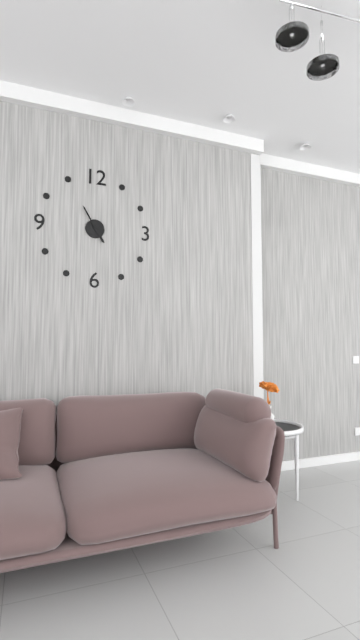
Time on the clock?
4:55
